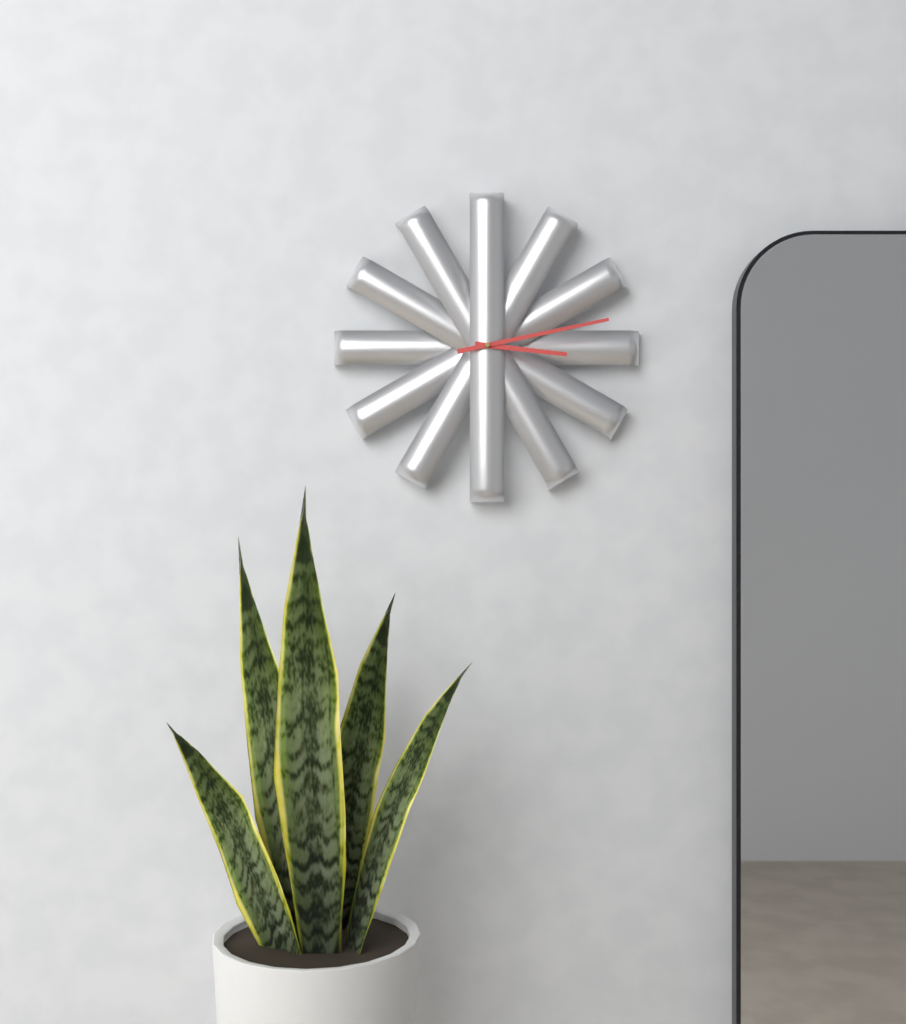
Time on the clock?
3:13
